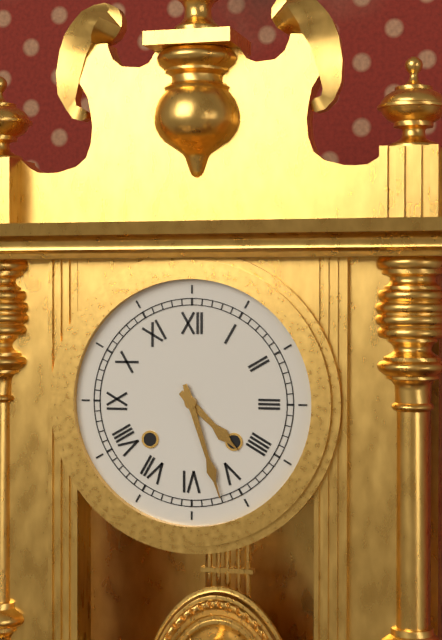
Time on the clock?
4:27
